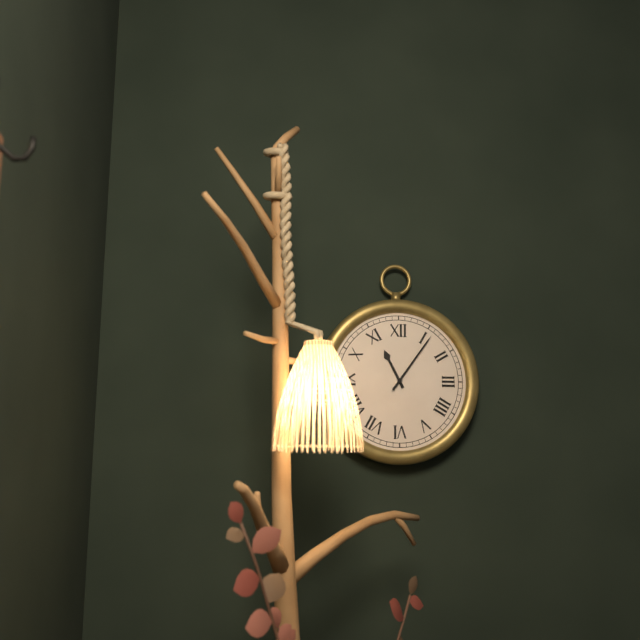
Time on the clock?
11:06
